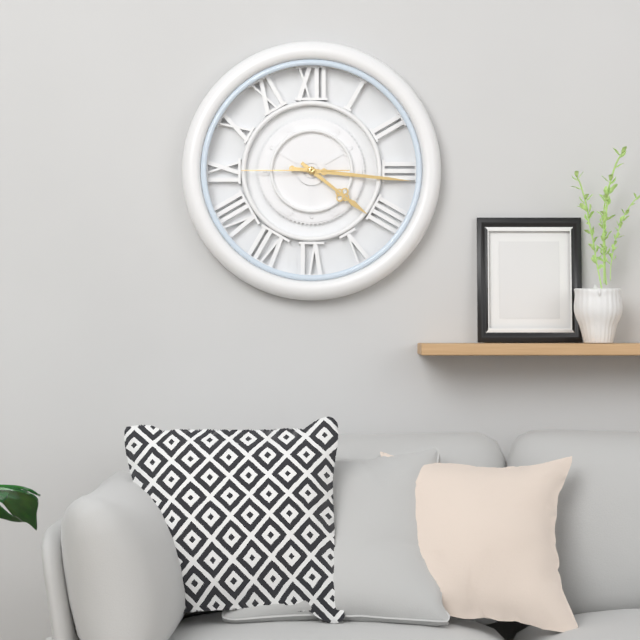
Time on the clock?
4:16:45
